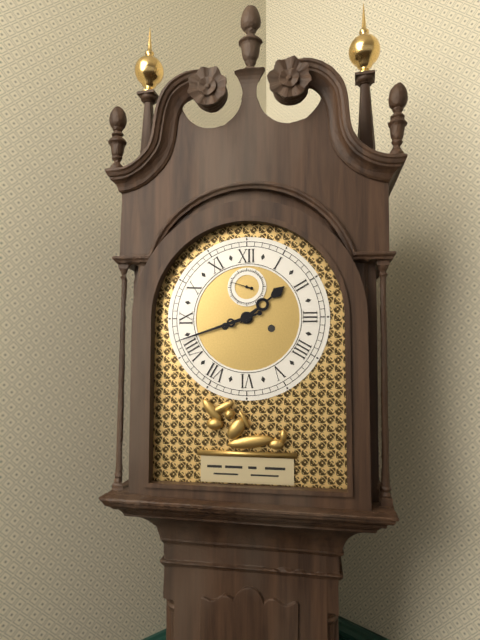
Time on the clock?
1:42
